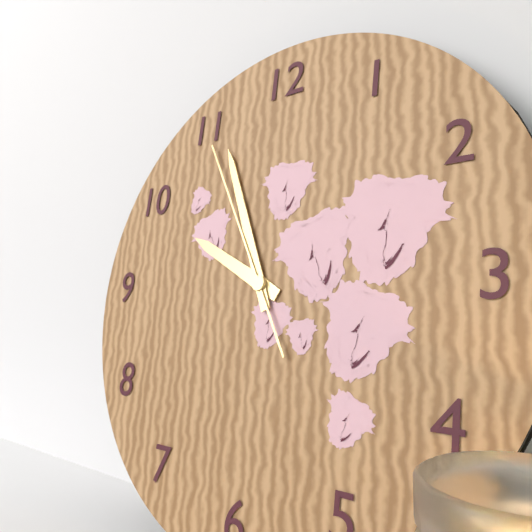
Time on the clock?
9:56:55
